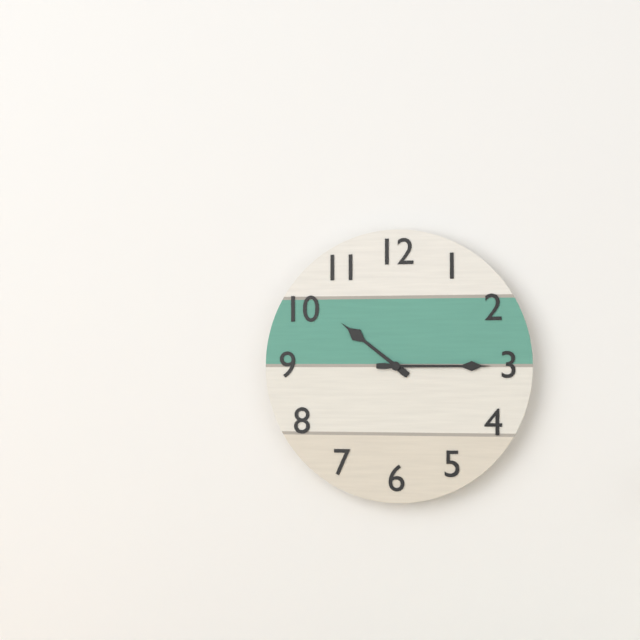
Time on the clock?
10:15
